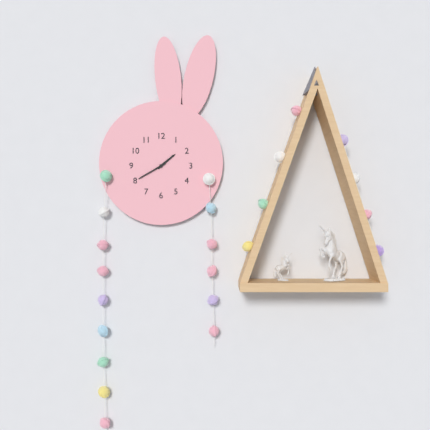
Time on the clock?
1:40
